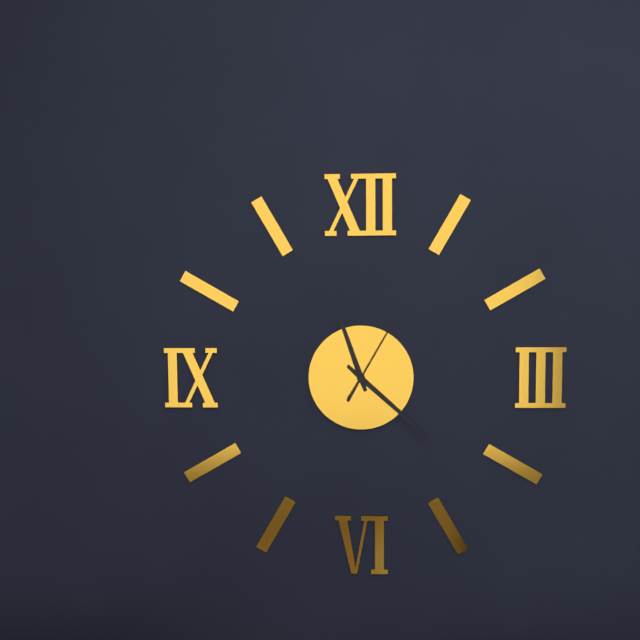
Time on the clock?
11:22:05
